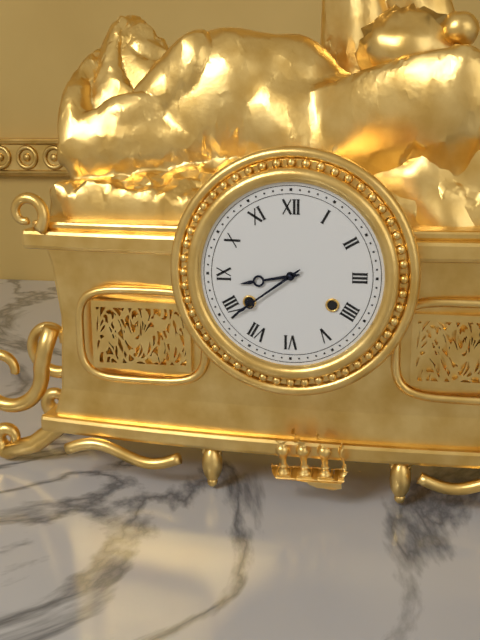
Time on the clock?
8:39
